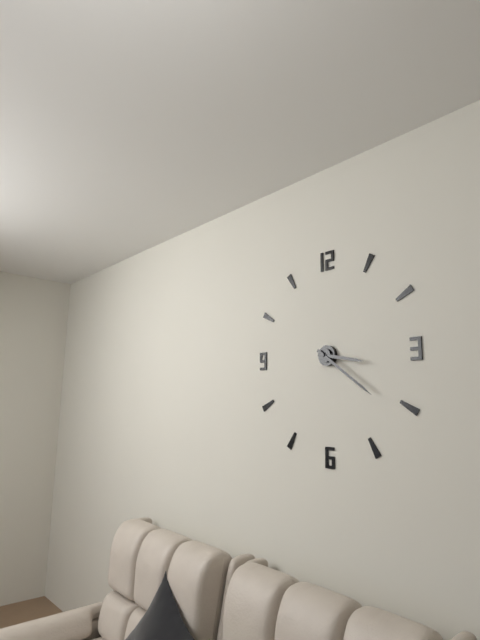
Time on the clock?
3:21
